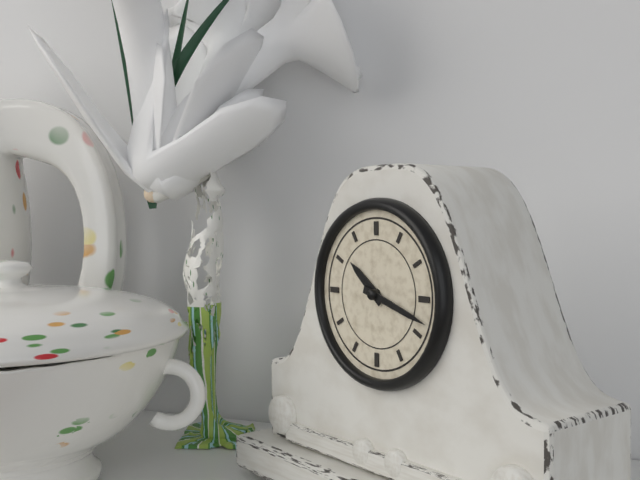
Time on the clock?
10:18
